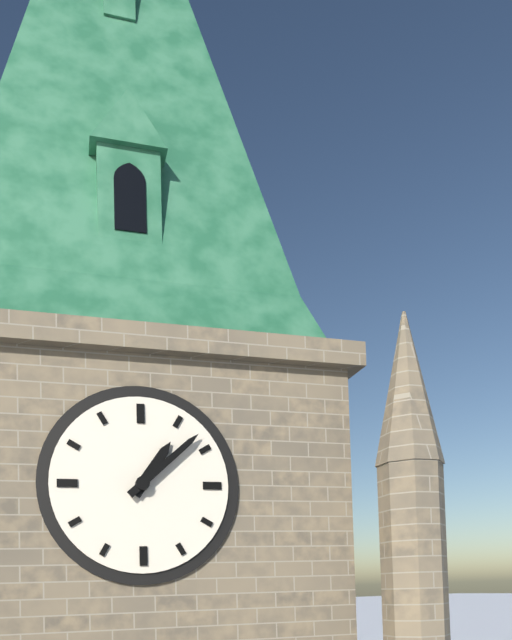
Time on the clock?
1:08
